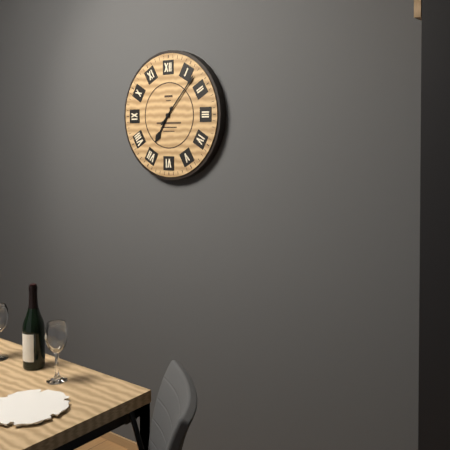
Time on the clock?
7:07
